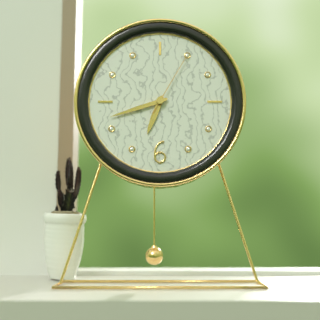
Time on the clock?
6:42:05
